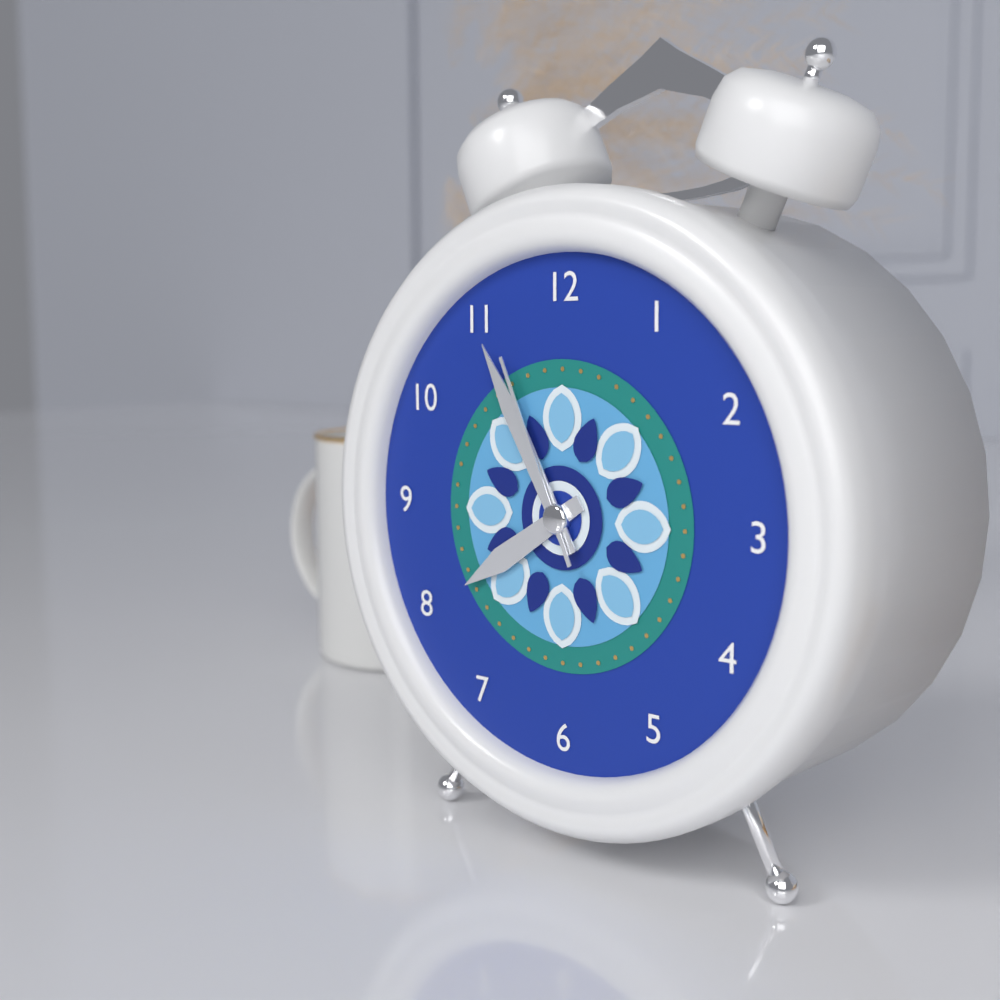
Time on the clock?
7:55:56
